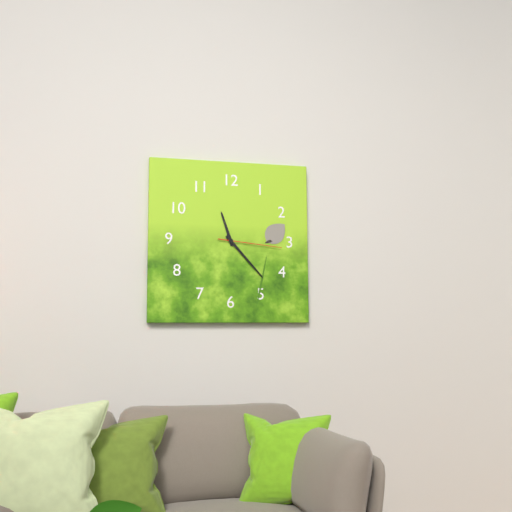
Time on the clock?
11:23:16
